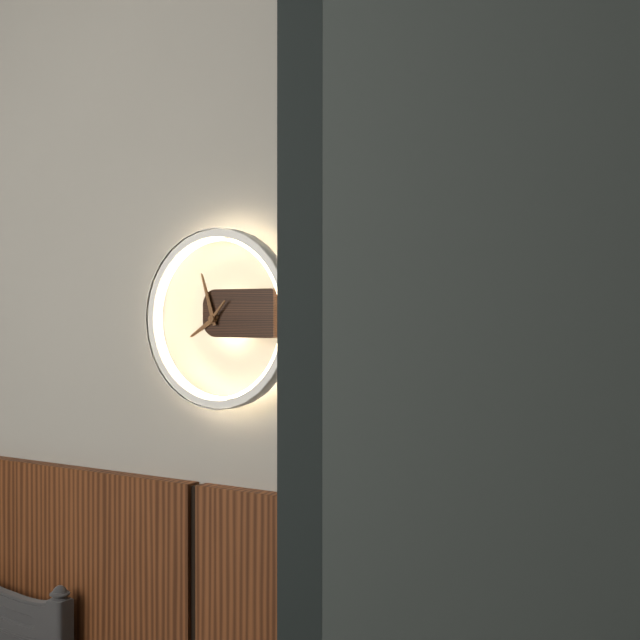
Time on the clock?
7:57
